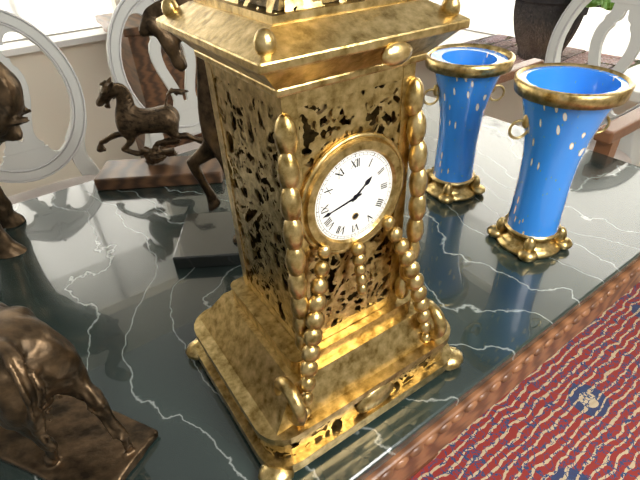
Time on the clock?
1:43
